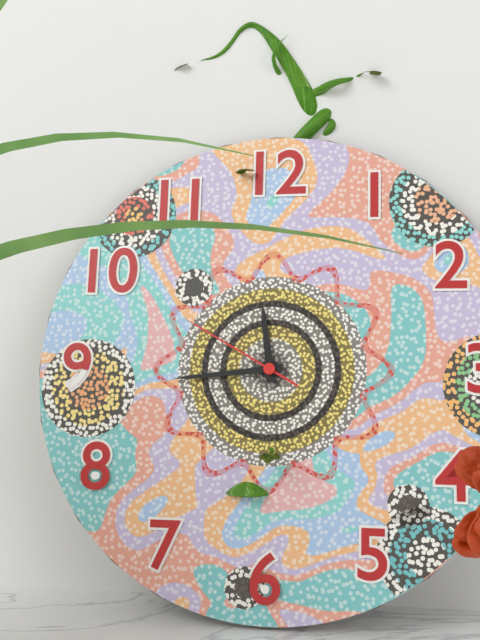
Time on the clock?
11:44:50
